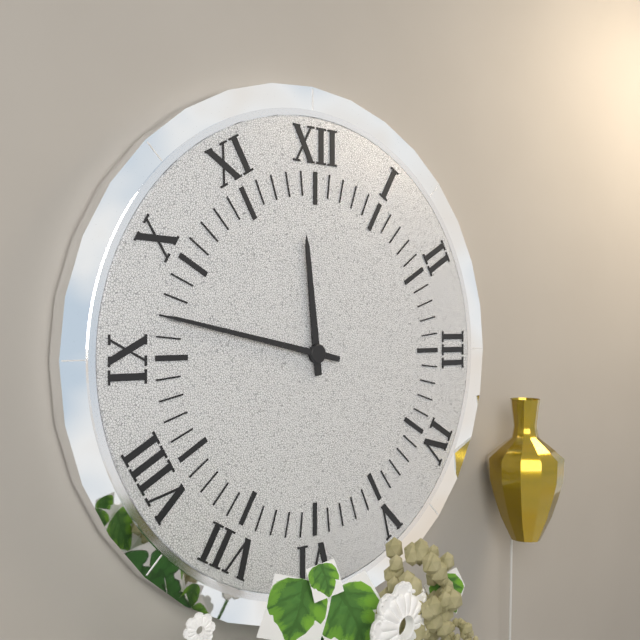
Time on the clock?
11:47
